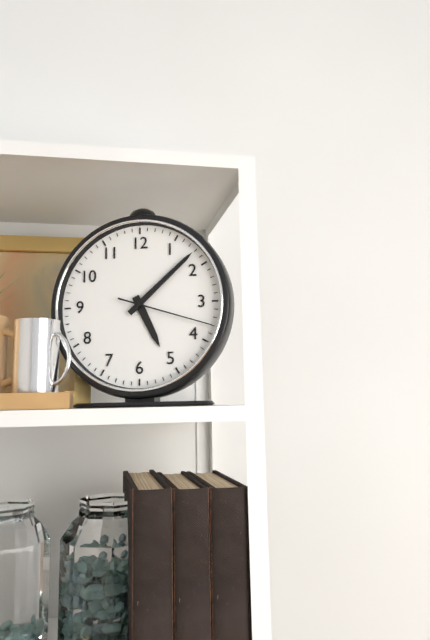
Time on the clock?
5:08:18
